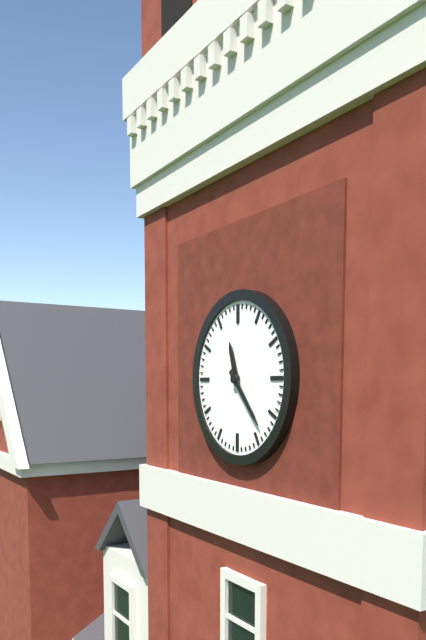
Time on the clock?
11:23
